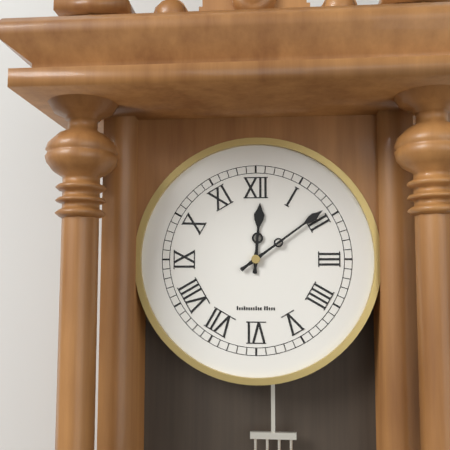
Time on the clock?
12:09
